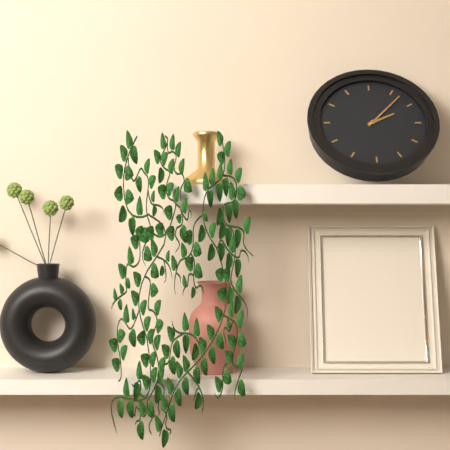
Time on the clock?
2:07
